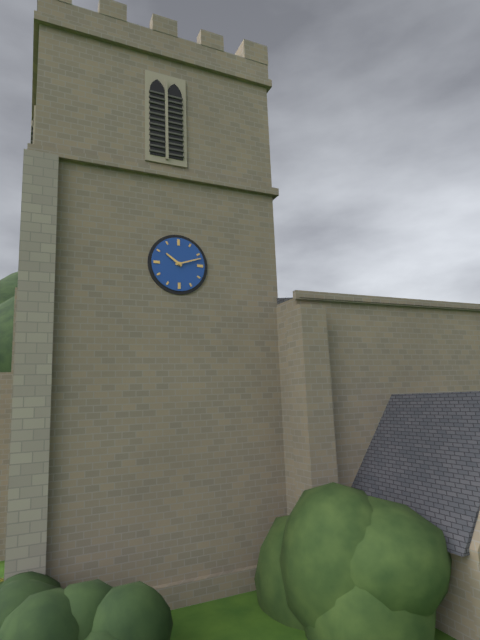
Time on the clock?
10:12
